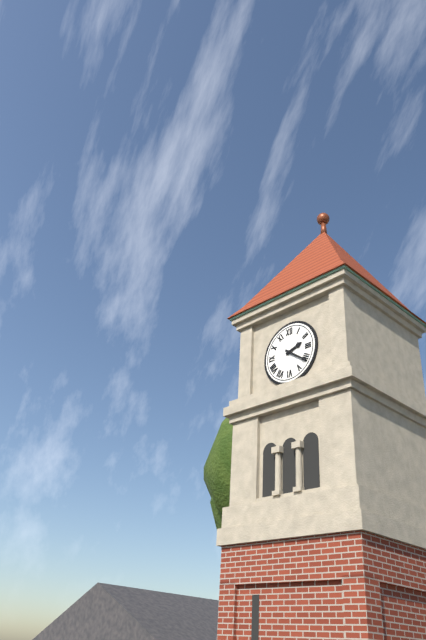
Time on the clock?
2:21
